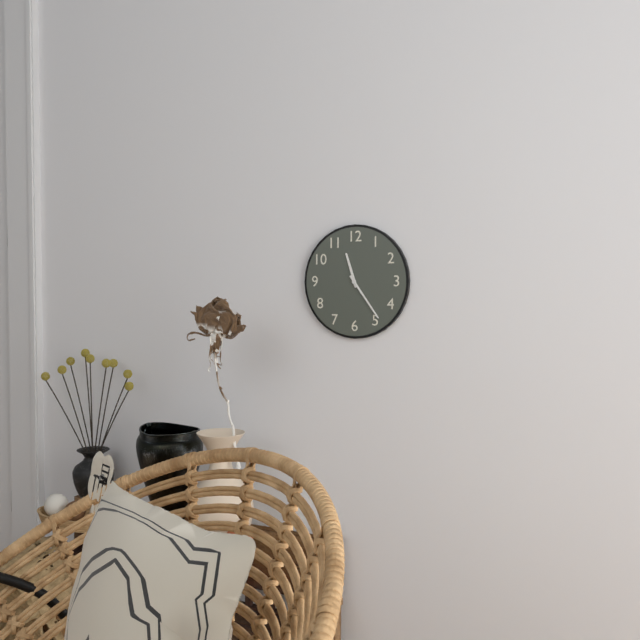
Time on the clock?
11:24
